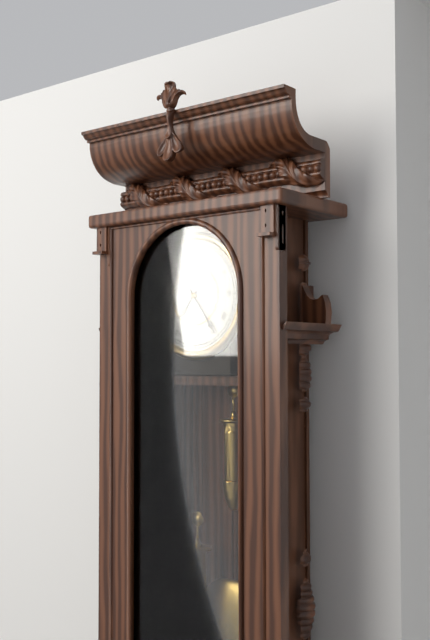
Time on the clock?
7:24
